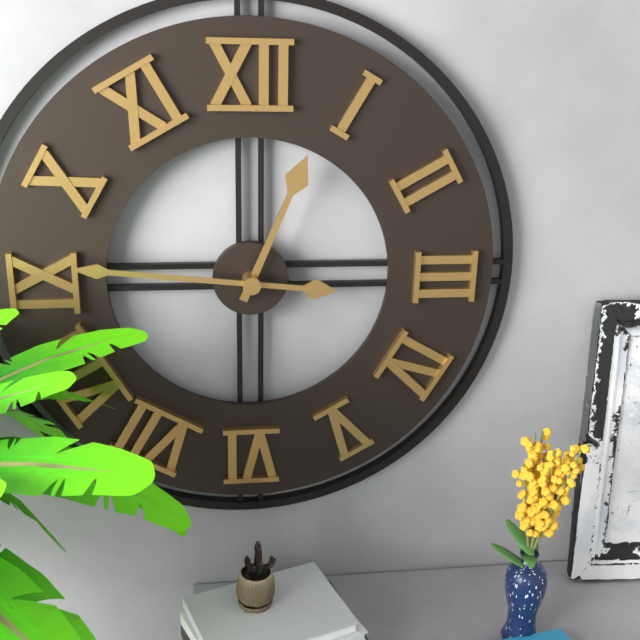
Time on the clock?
12:46
